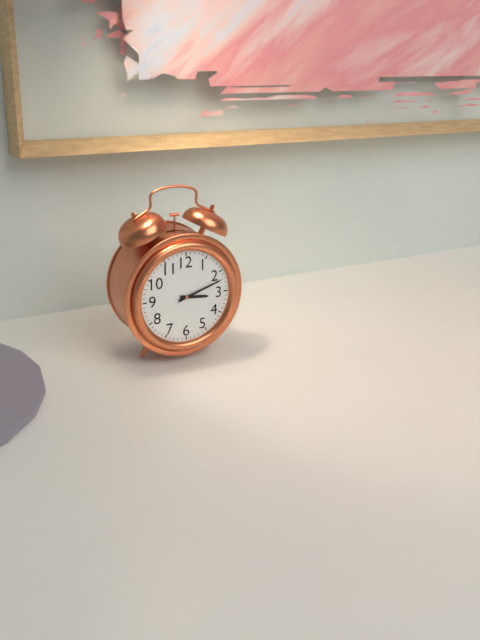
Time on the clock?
3:12
